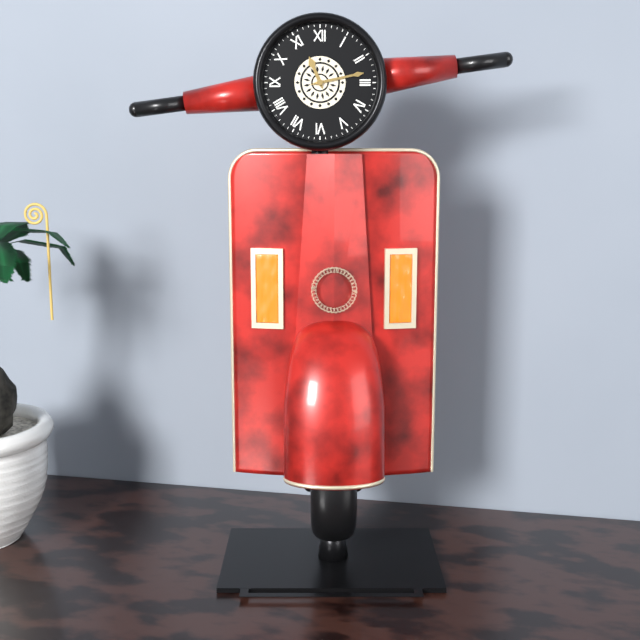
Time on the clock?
11:13
